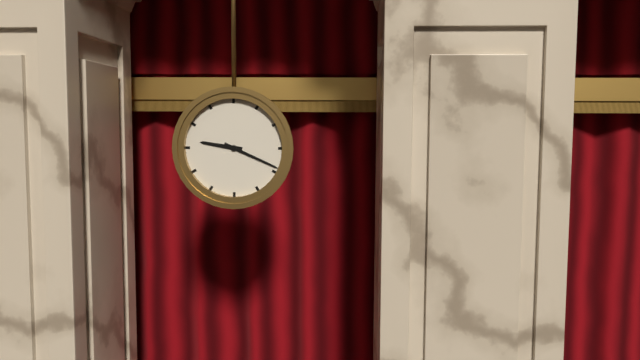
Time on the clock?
9:19
